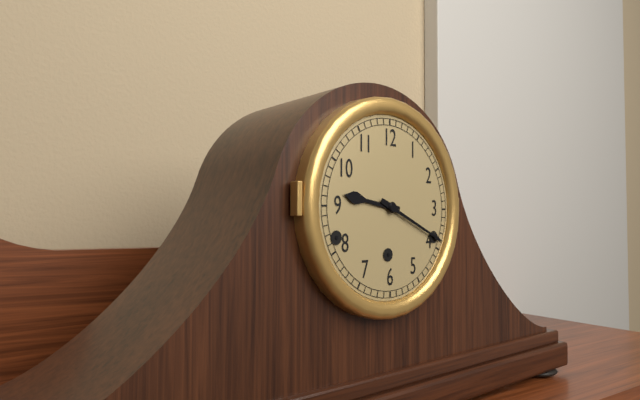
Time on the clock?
9:19
